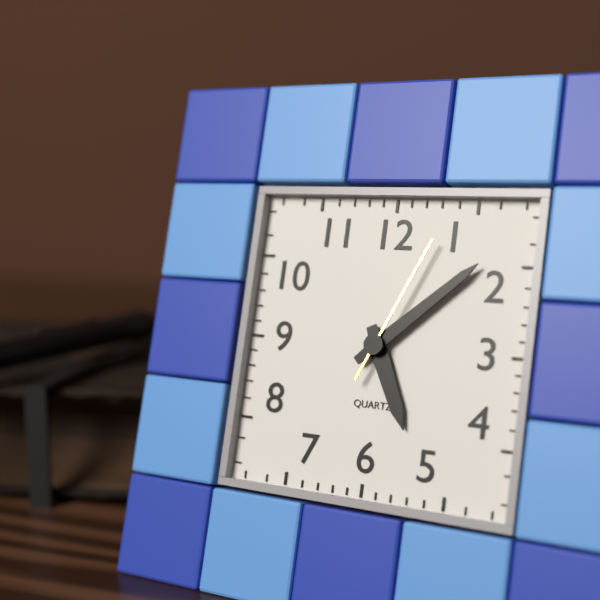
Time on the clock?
5:08:04
